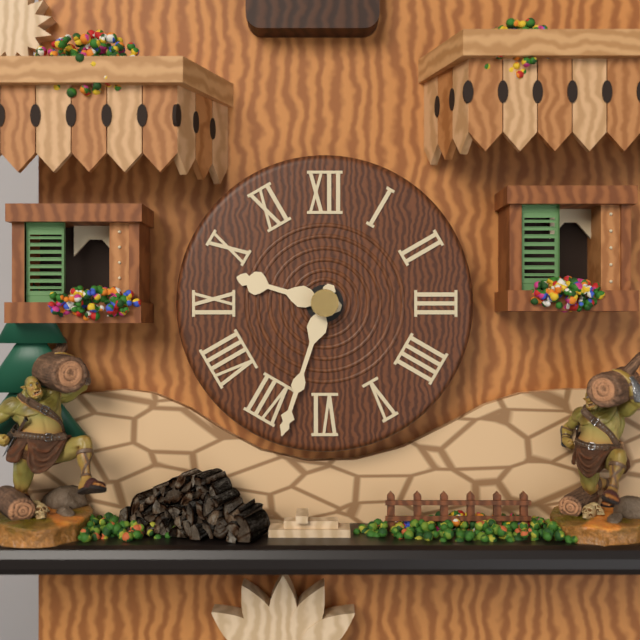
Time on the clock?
9:33
